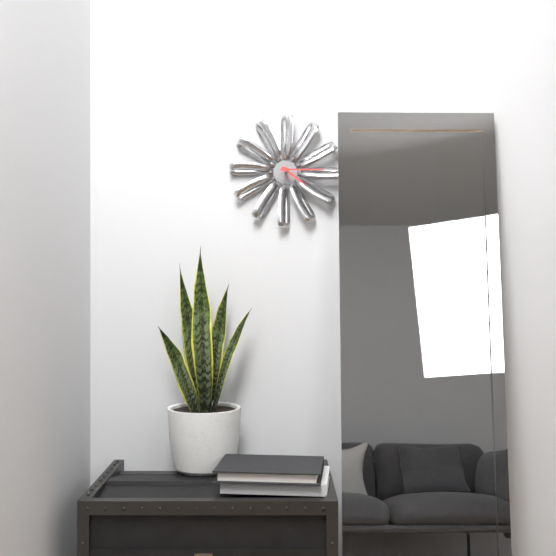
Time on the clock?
4:15
